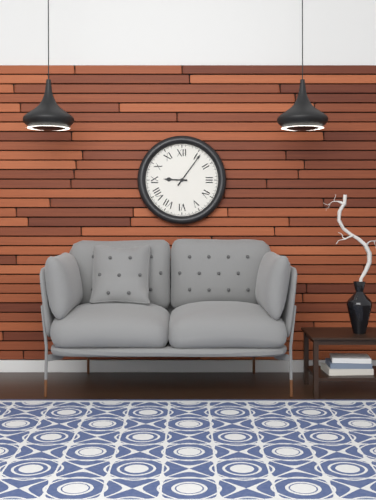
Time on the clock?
9:06
